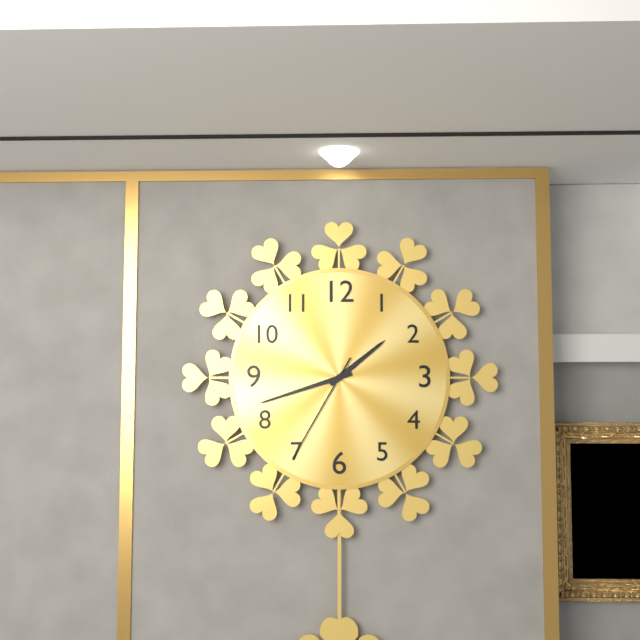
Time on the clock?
1:42:35
